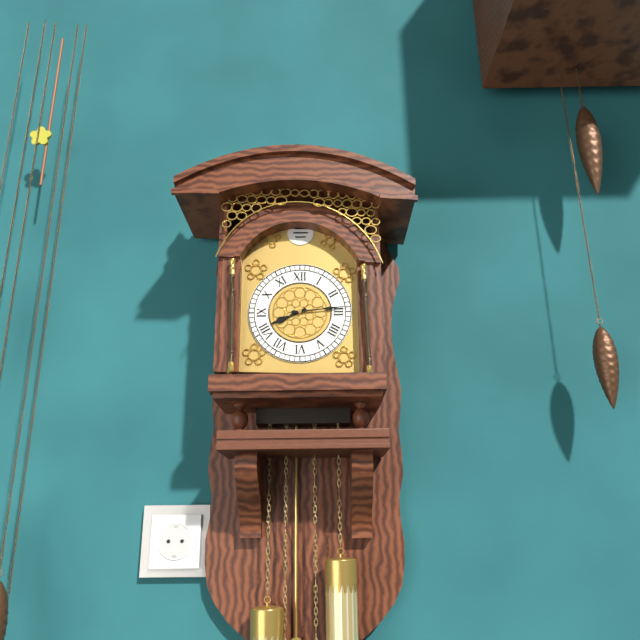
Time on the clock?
8:14
